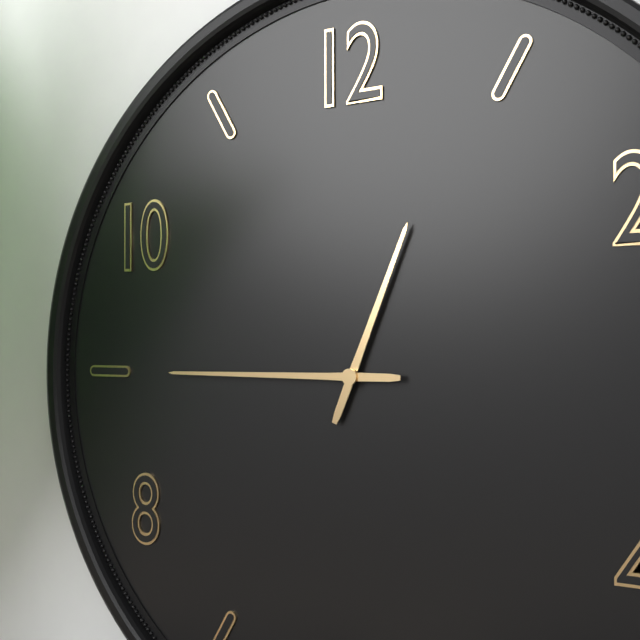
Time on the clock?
12:45
